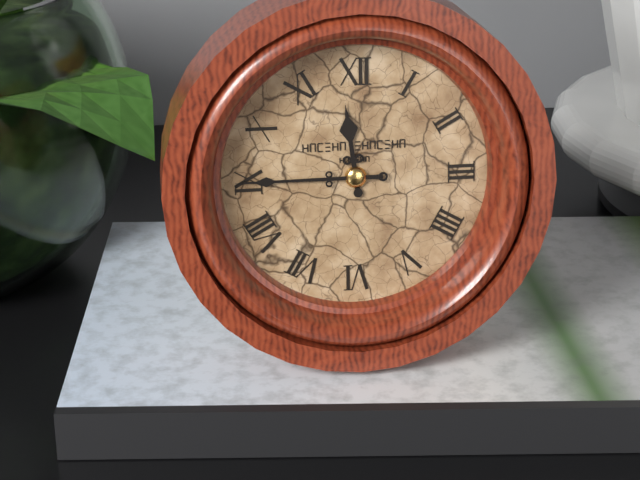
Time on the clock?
11:45
